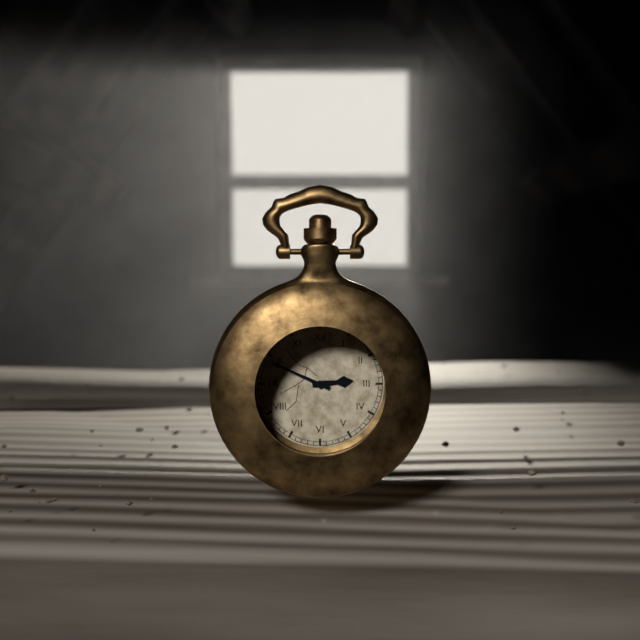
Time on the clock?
2:49
